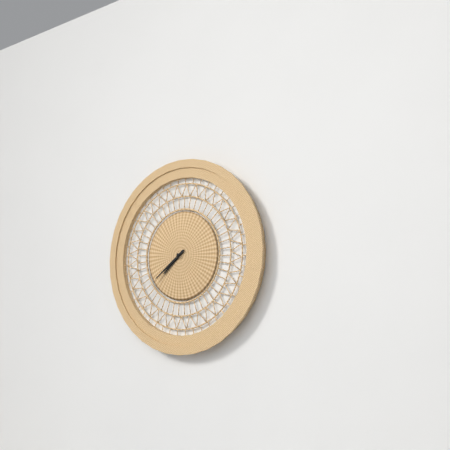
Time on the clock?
7:39
